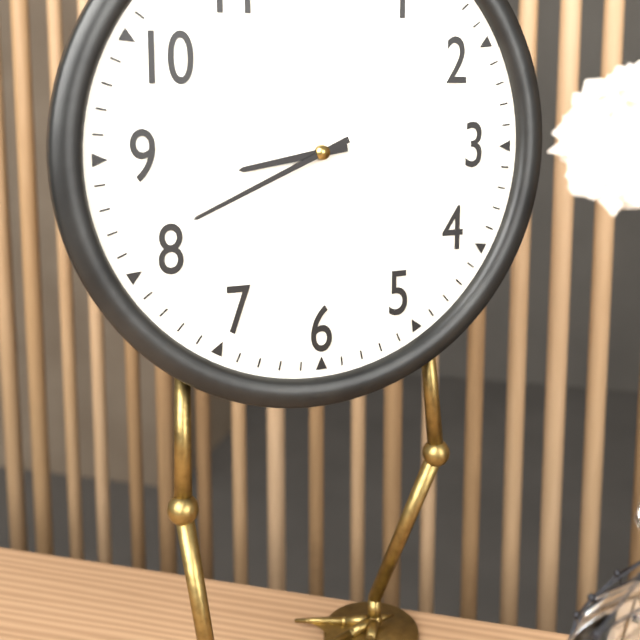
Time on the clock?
8:41
